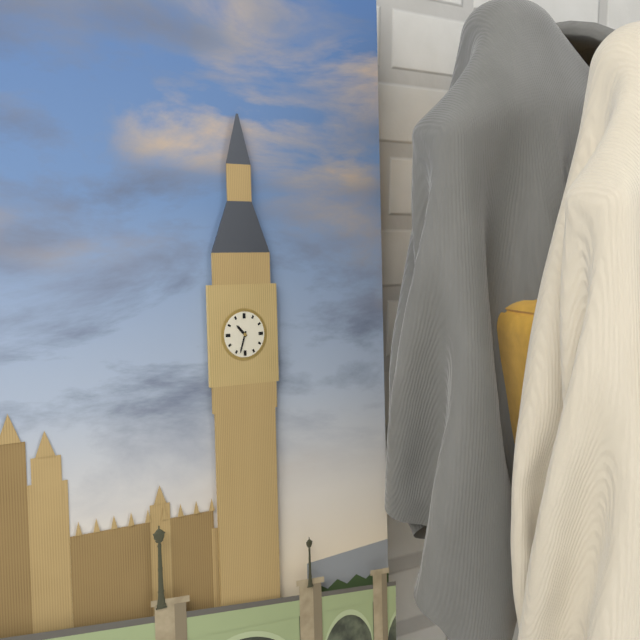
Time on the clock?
10:33
